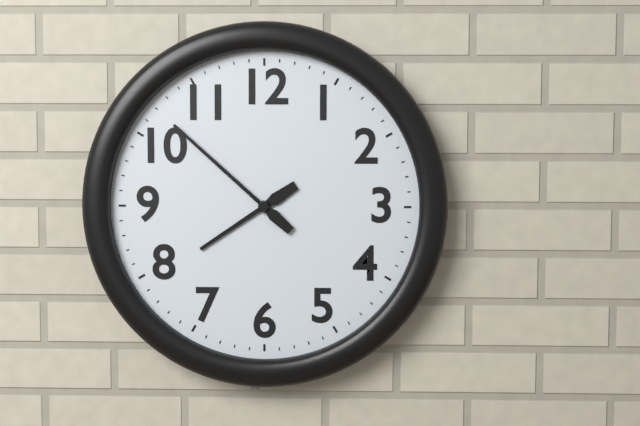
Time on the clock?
7:52
